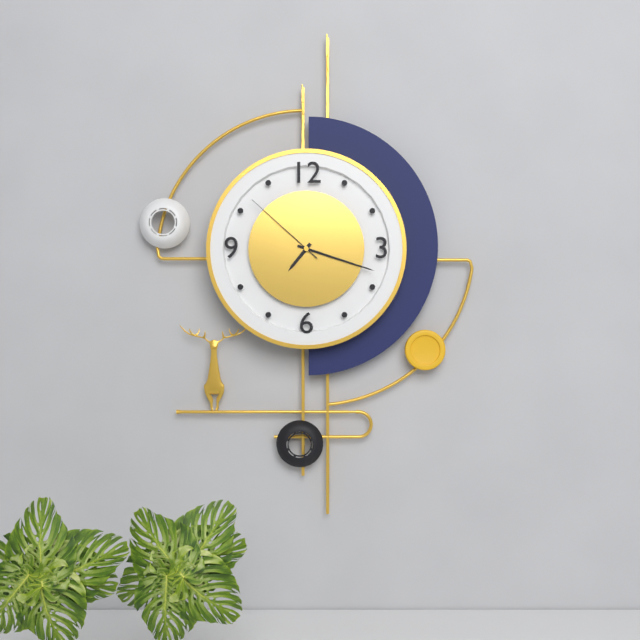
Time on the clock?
7:18:52
